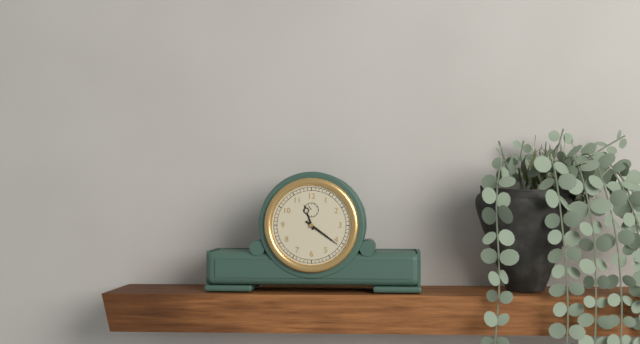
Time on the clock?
11:21
